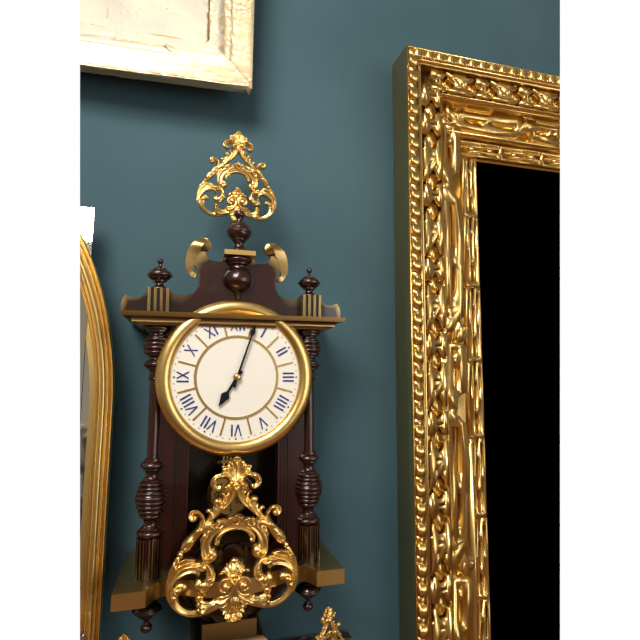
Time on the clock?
7:03
